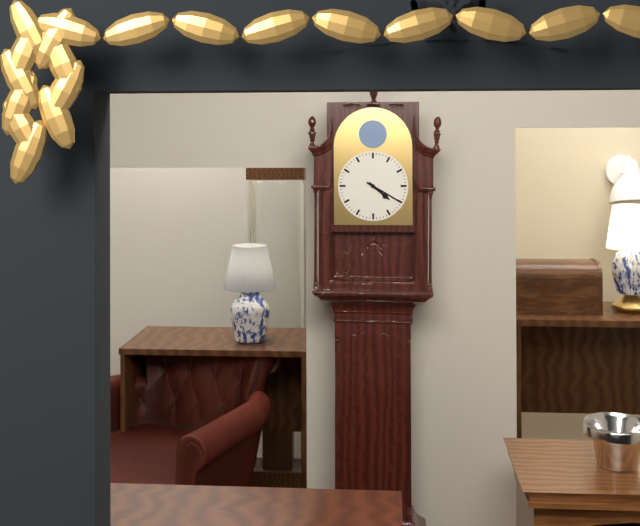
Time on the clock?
4:20
